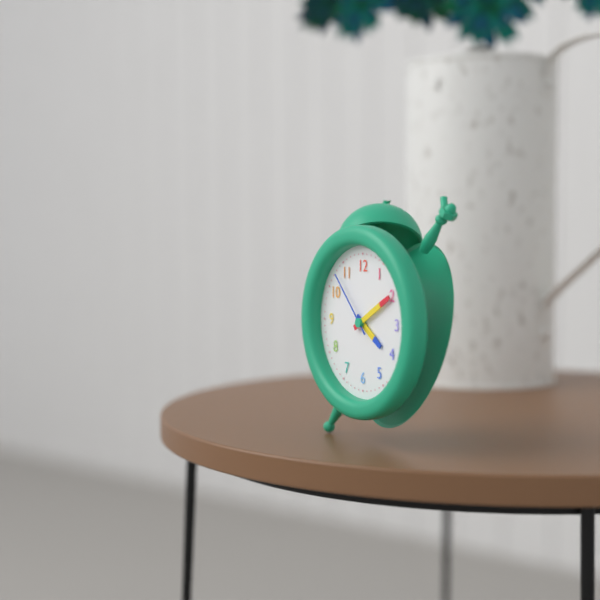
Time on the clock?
4:10:53
